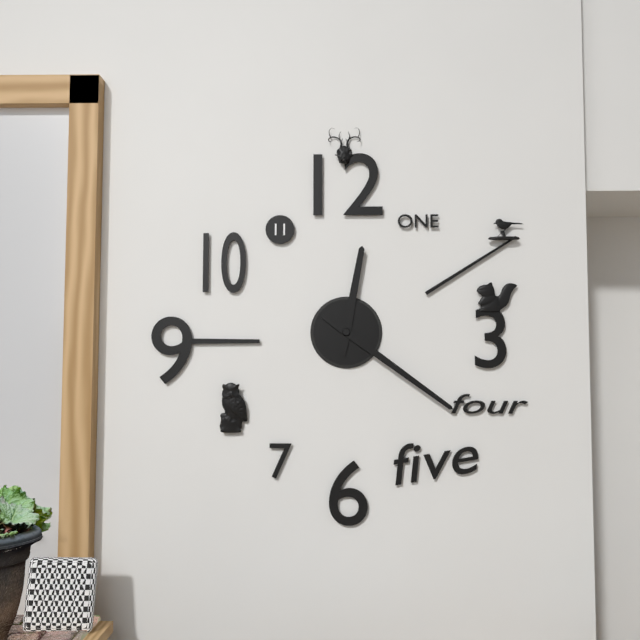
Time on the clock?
12:21
